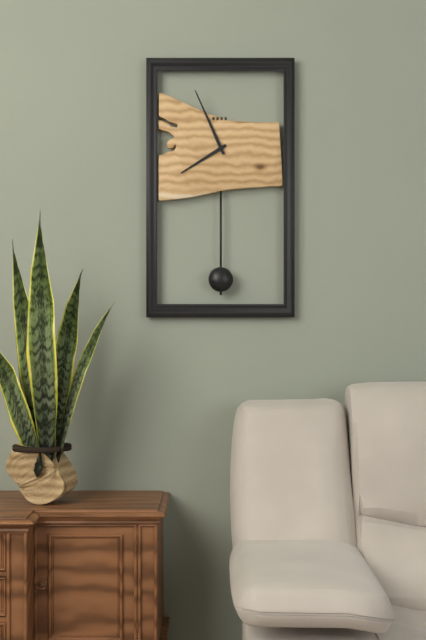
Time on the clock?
7:56
